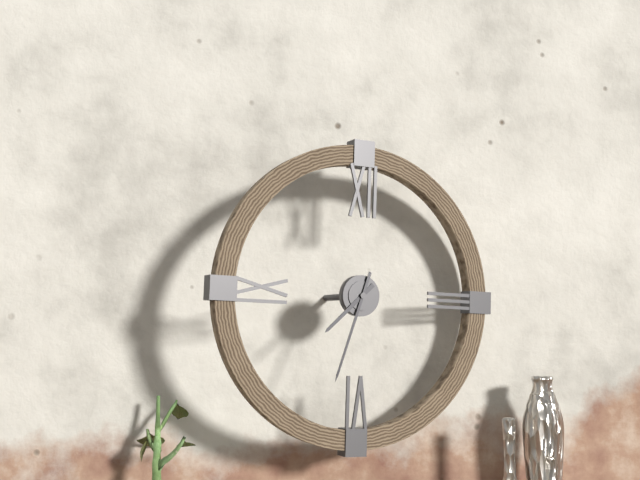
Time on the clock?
7:33
